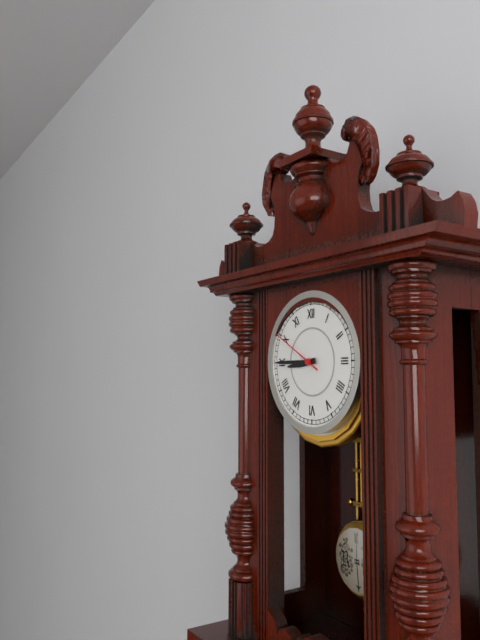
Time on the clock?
8:45:50
